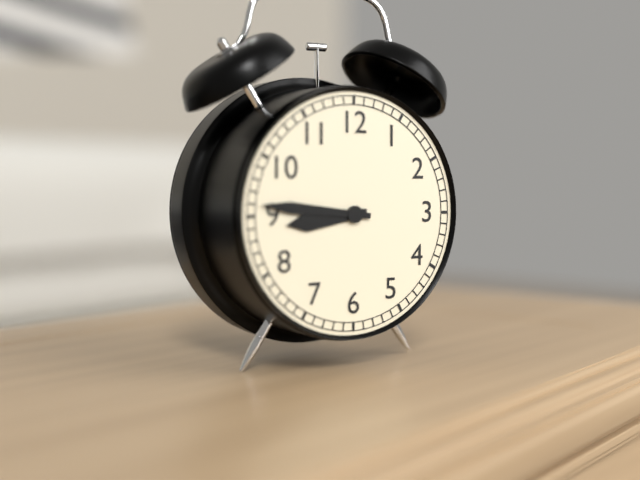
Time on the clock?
8:46
